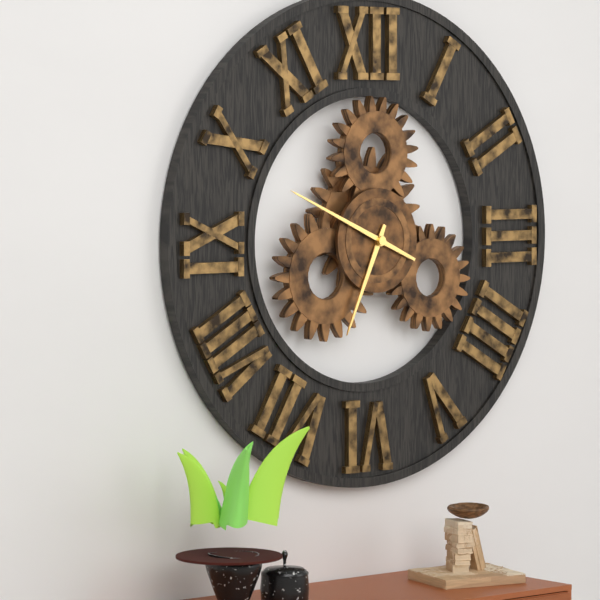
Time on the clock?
6:49
